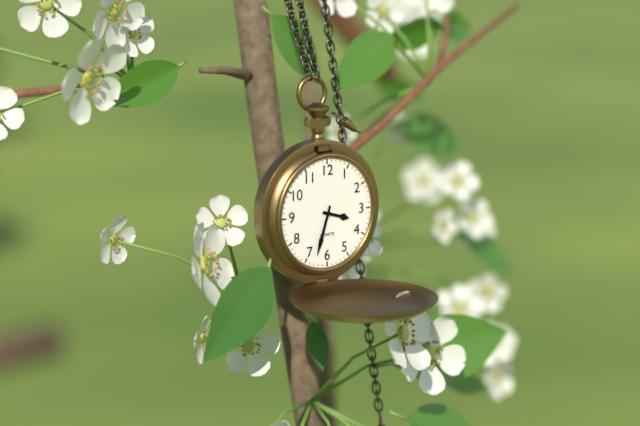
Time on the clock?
3:33
